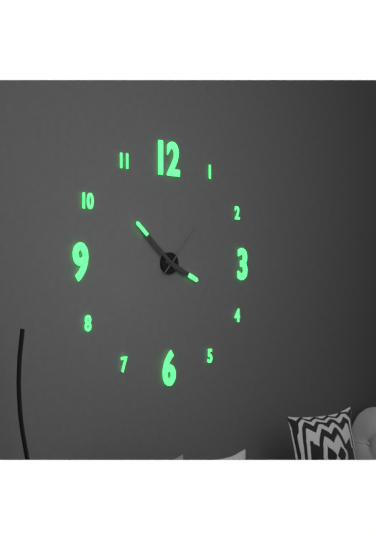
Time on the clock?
3:52:07
